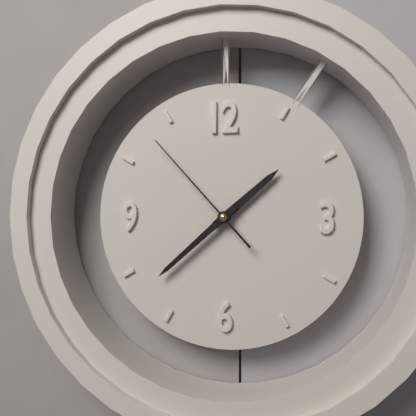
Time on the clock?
1:38:53
